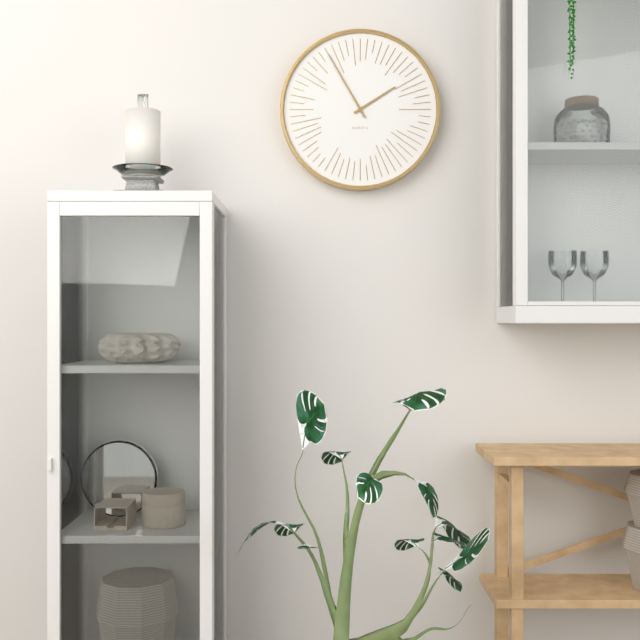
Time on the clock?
1:55
